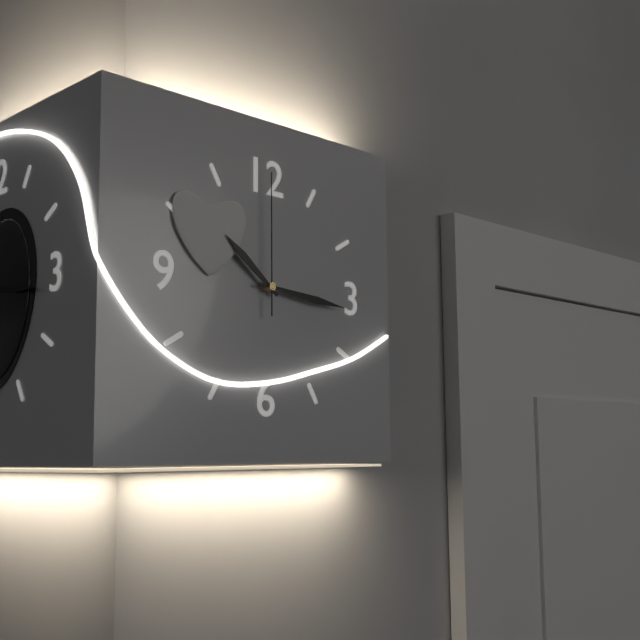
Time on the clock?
10:16:00
